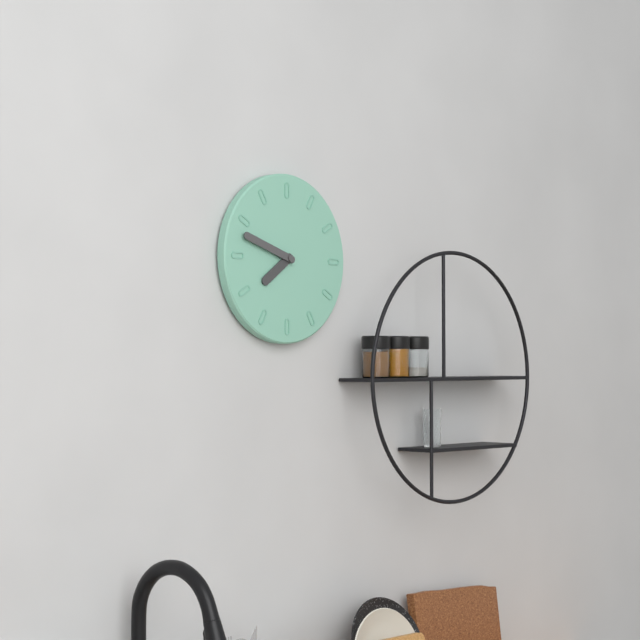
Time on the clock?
7:48
